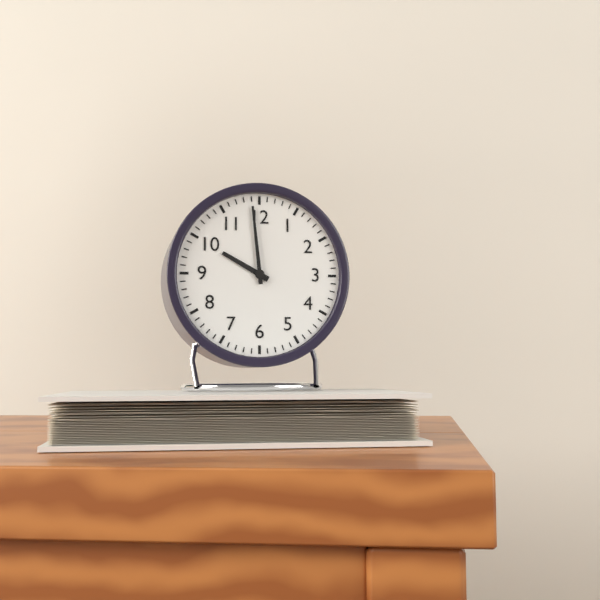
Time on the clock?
9:59
